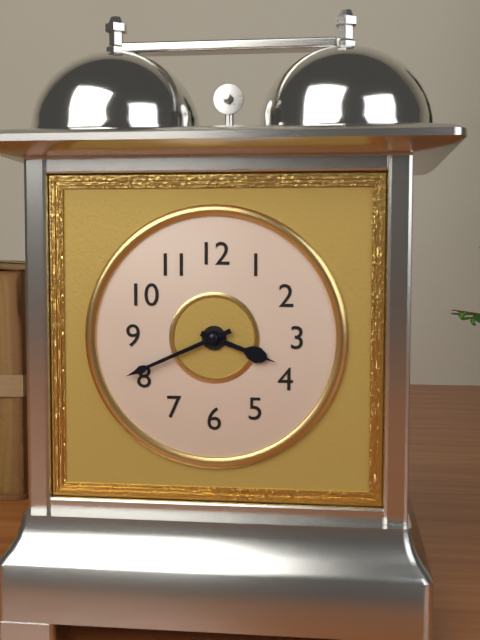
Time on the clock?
3:41
